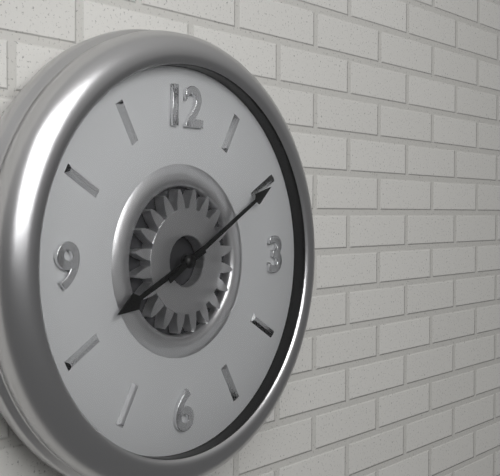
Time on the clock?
8:10
